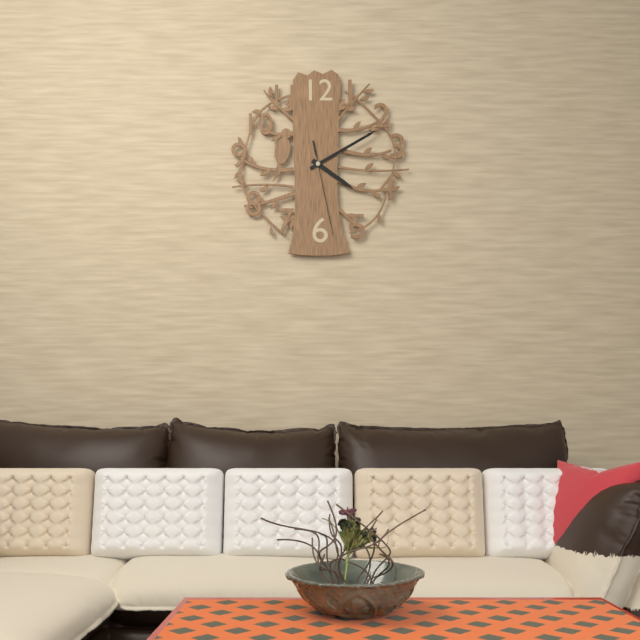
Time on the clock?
4:10:28
